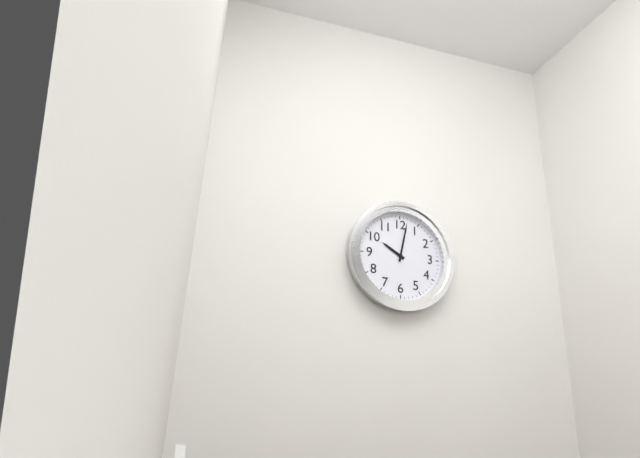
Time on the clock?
10:02
